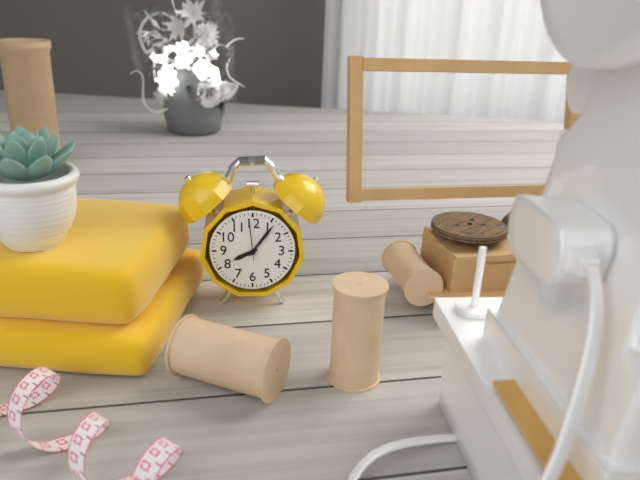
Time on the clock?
8:06
